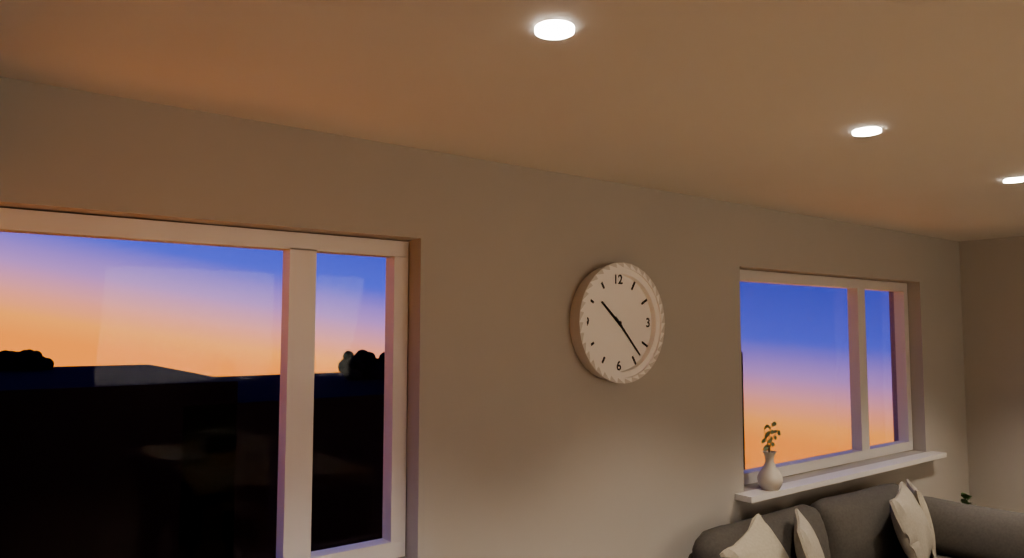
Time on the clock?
10:23
